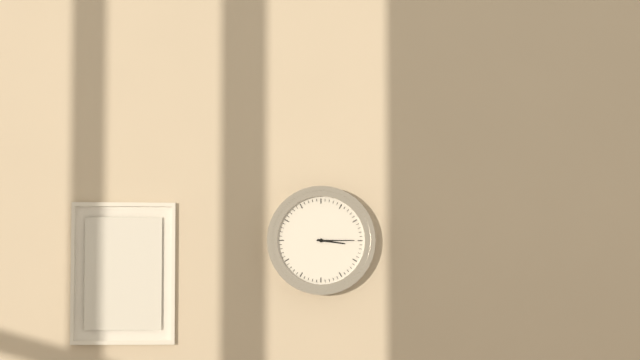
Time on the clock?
3:15
